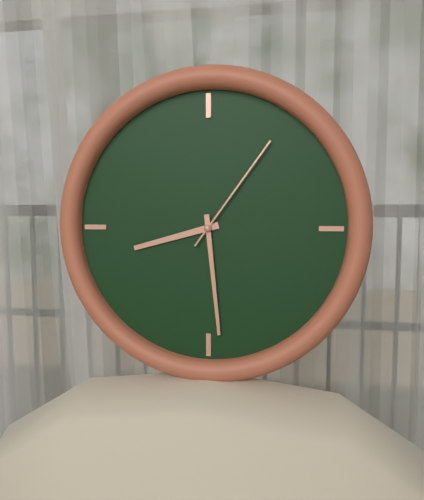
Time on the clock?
8:29:06
